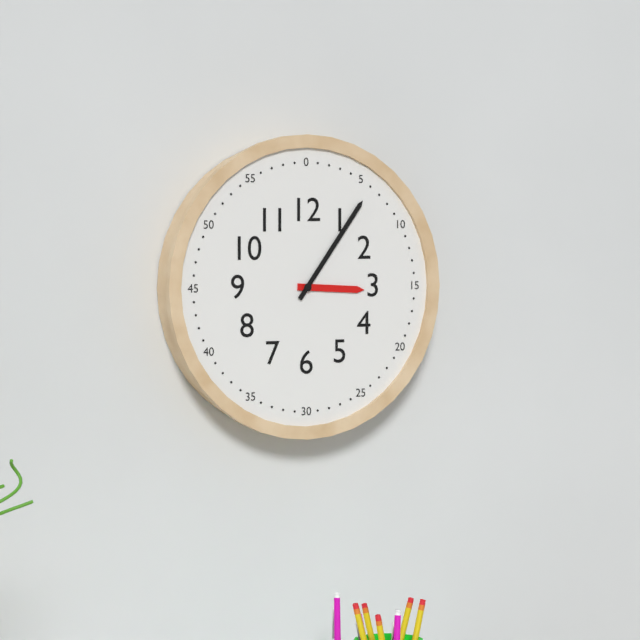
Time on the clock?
3:06
